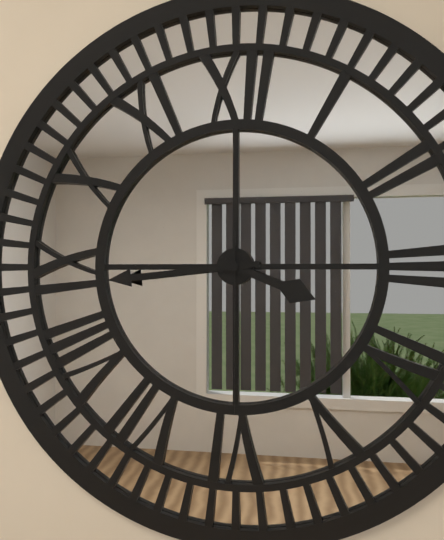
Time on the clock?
3:44:30
